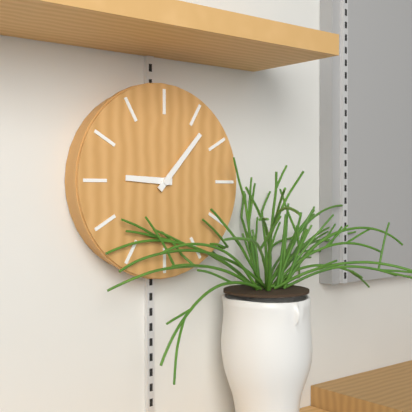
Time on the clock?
9:07
